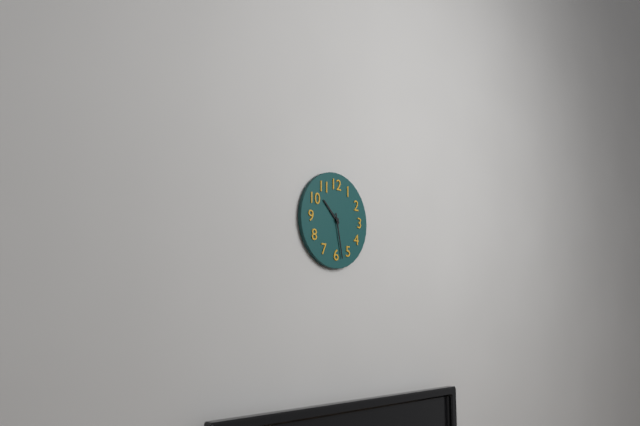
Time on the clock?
10:28
